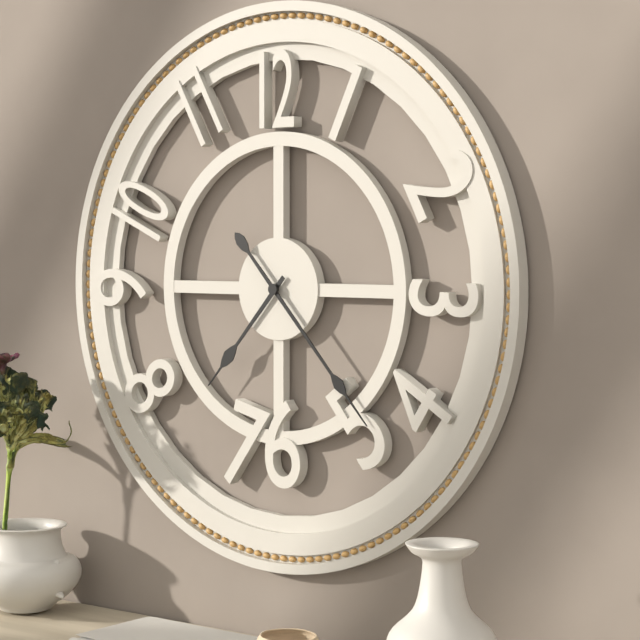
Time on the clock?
7:23
